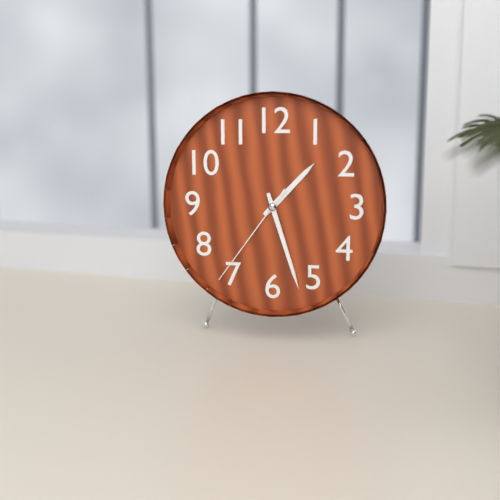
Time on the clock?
1:27:36
